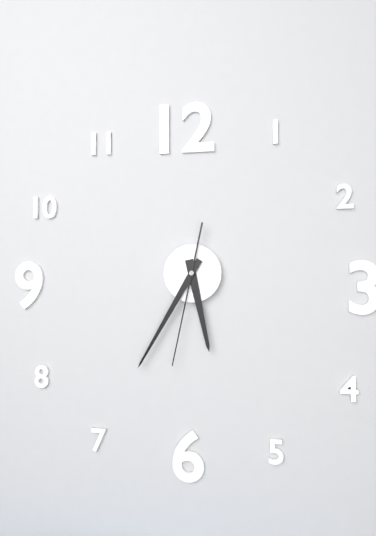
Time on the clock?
5:35:32
